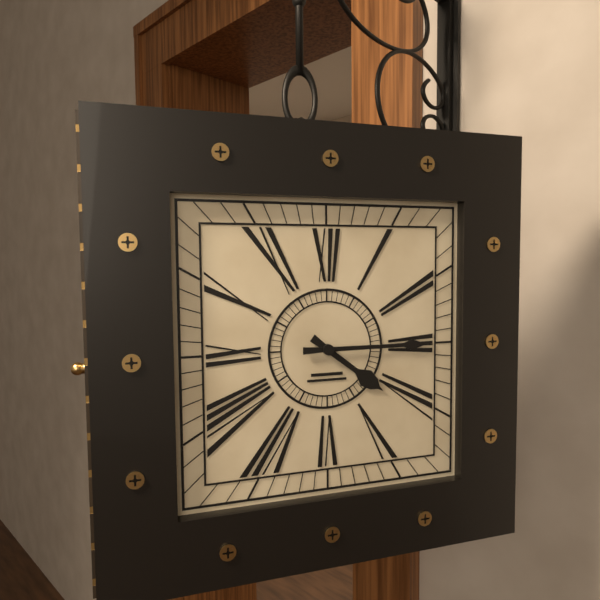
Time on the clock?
4:15
